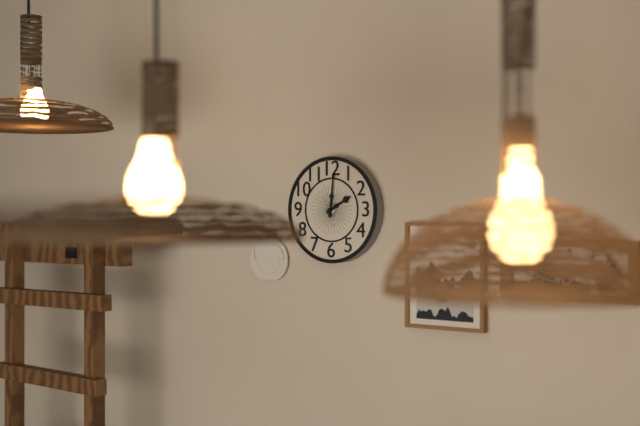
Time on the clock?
2:01
